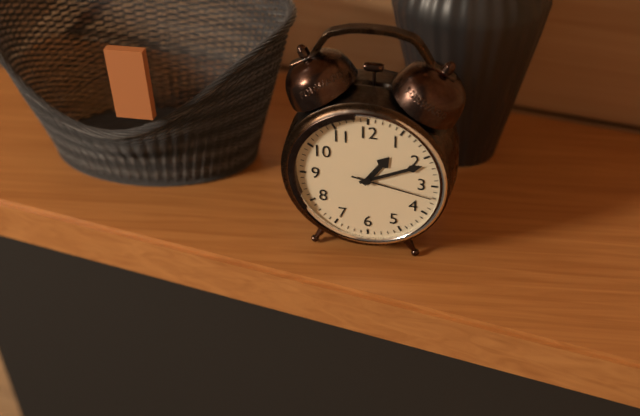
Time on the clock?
1:11:17
